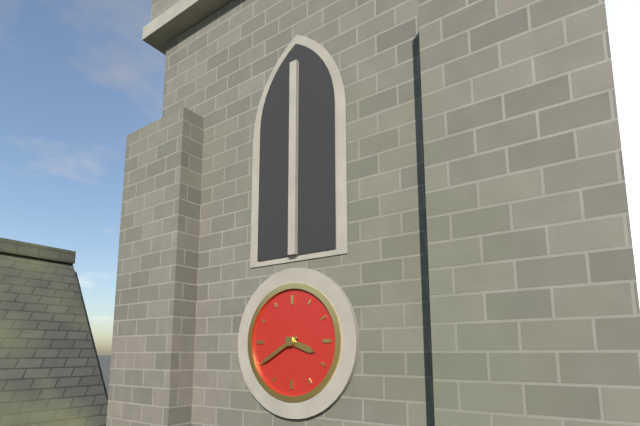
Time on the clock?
3:40
